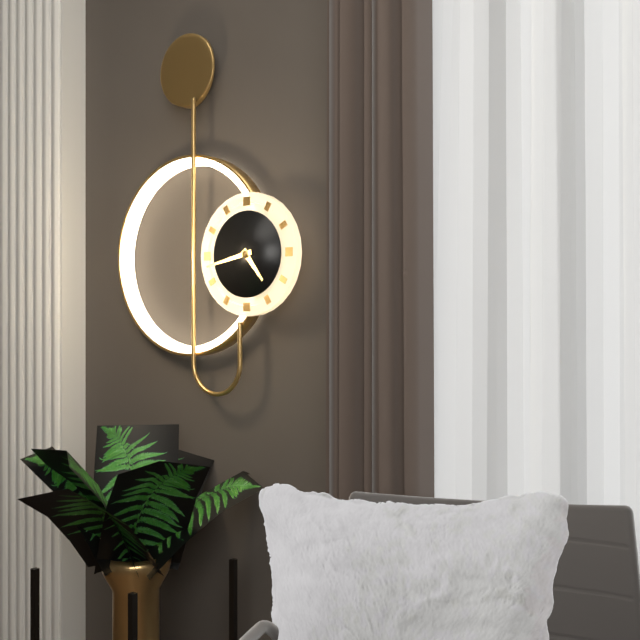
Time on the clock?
4:43
